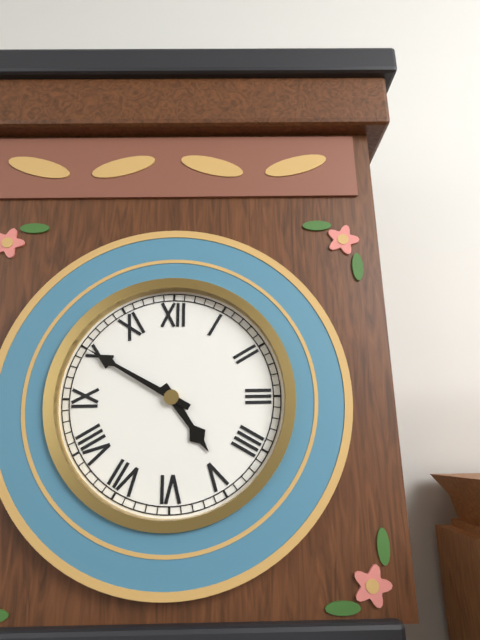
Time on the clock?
4:50
